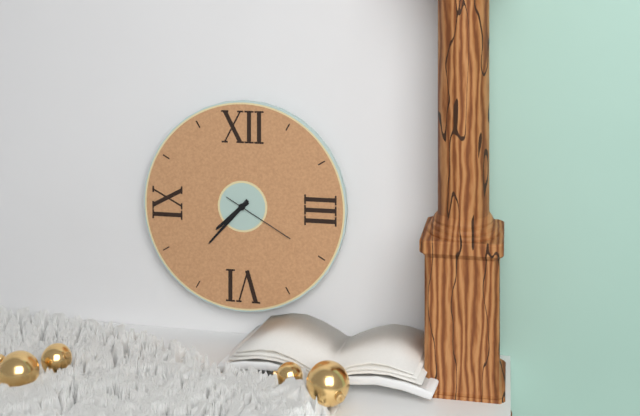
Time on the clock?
7:37:20
